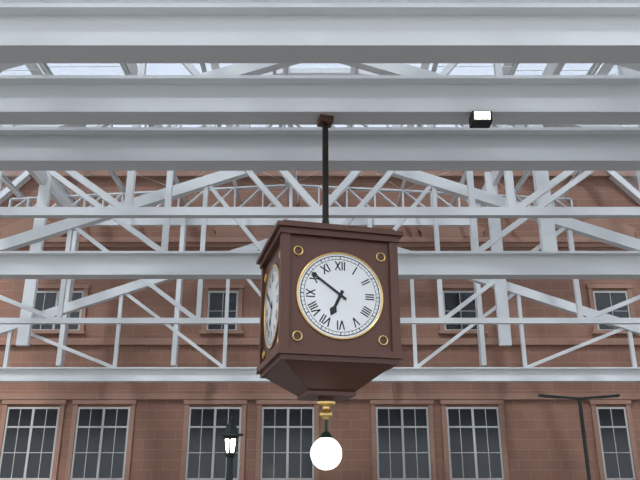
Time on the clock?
6:51
